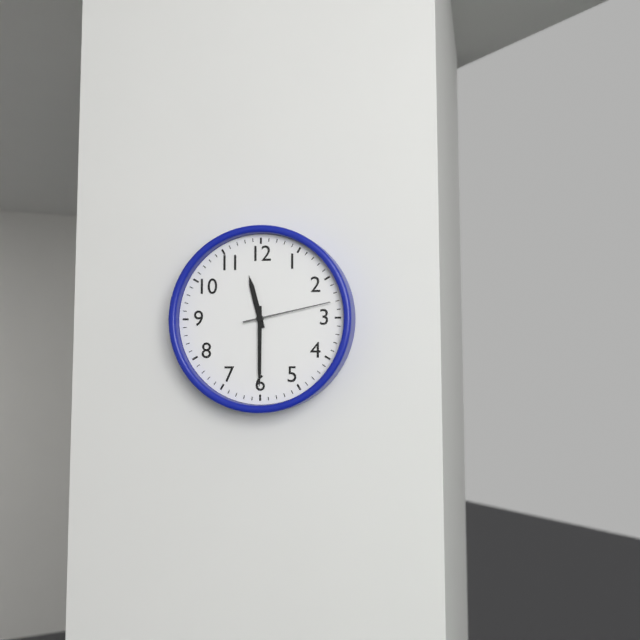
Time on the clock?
11:30:13
